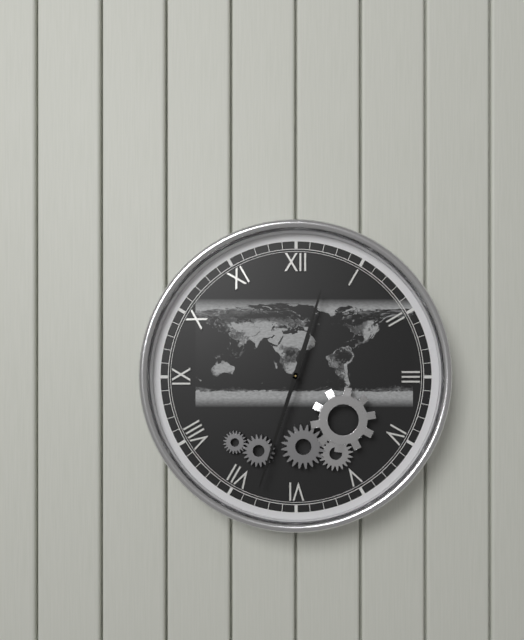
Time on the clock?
12:33
